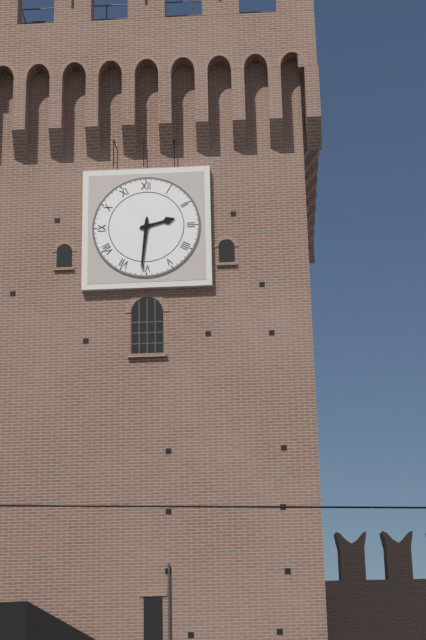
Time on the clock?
2:31
